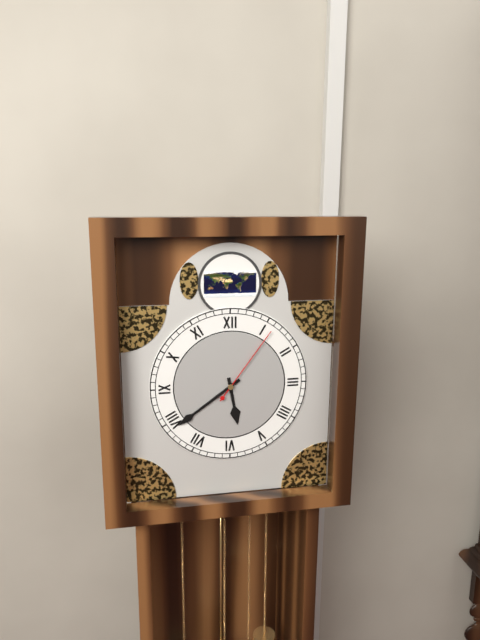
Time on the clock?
5:39:06
